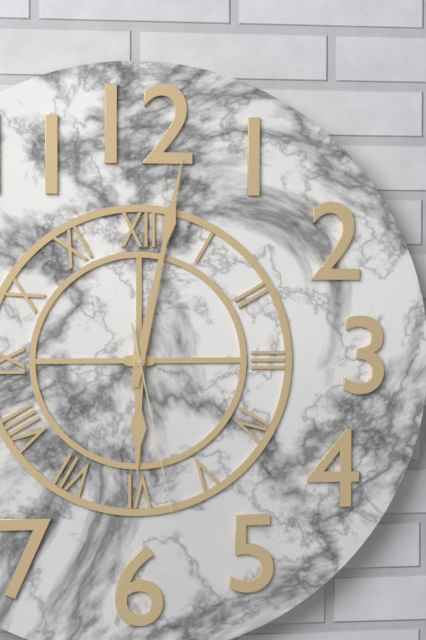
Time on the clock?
6:02:28
